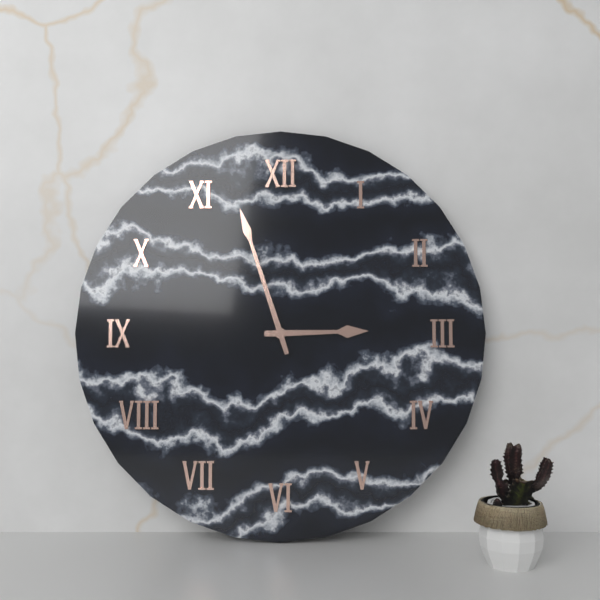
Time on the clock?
2:57
